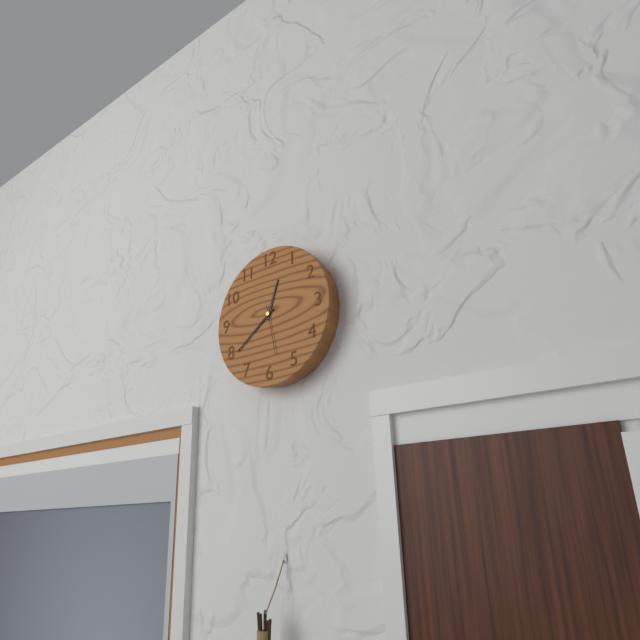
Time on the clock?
12:39:28
